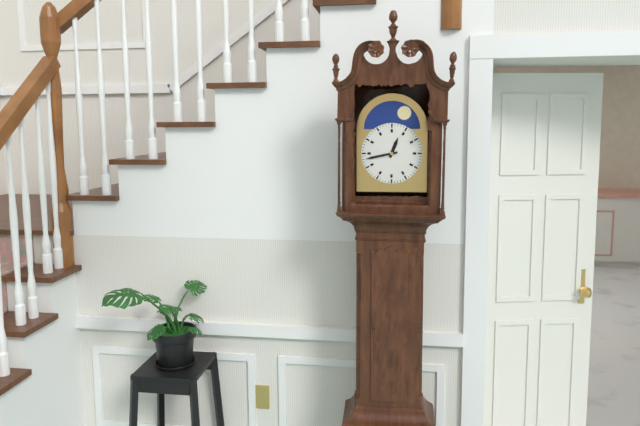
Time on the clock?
12:43
